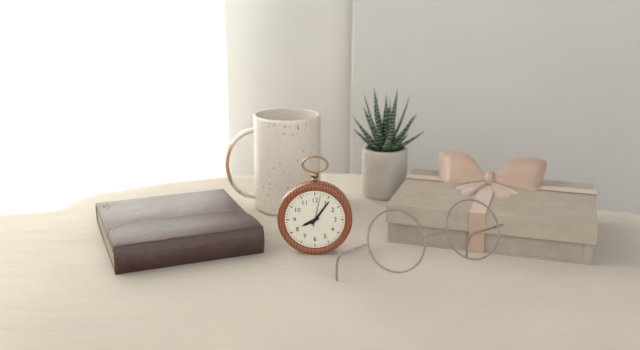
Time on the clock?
8:06
